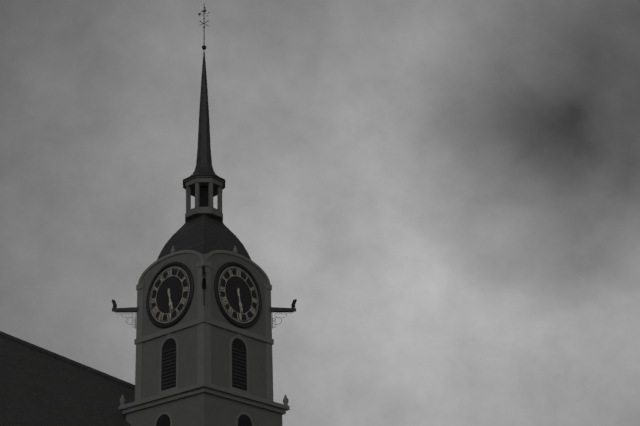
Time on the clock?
5:29
